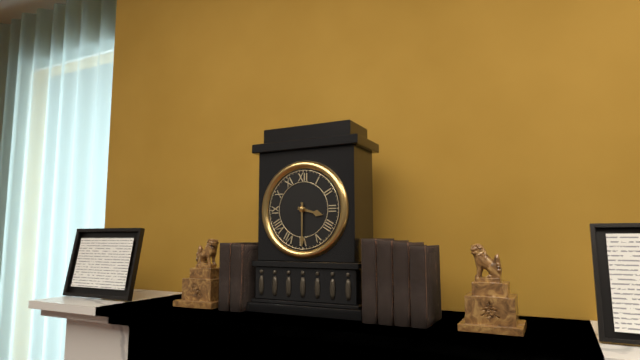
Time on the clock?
3:30
